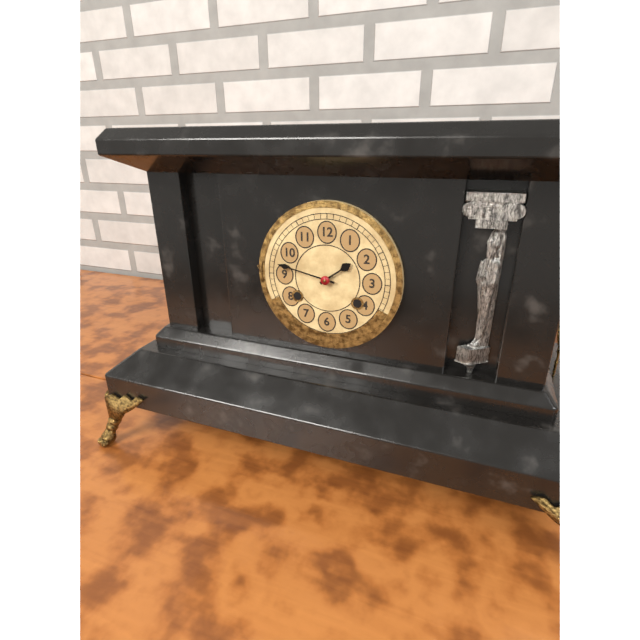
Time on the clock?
1:47
